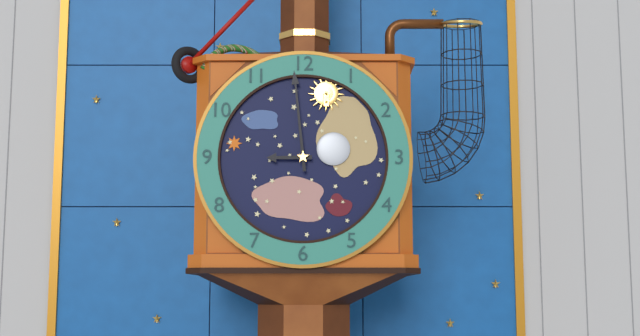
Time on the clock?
8:59
